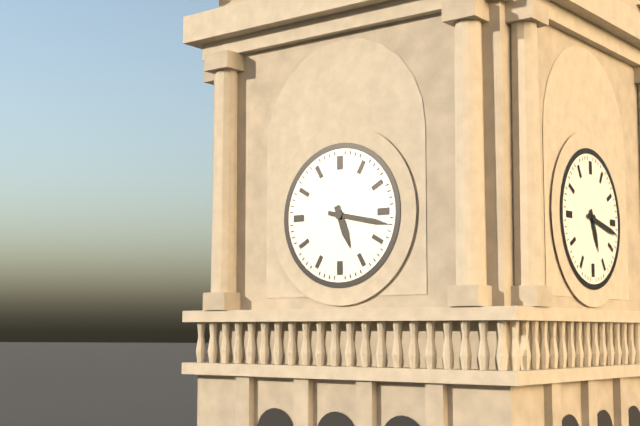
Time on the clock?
5:17
